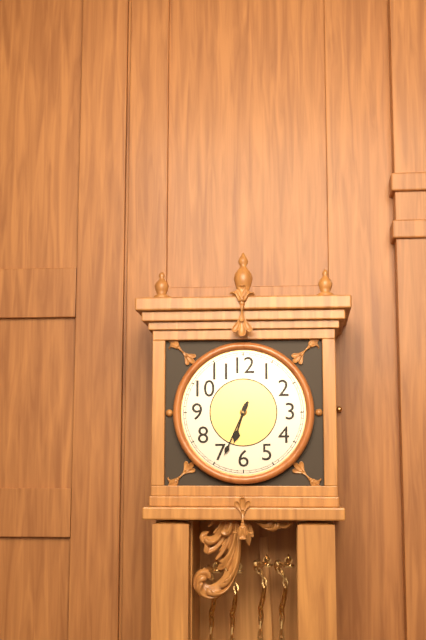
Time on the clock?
6:34
